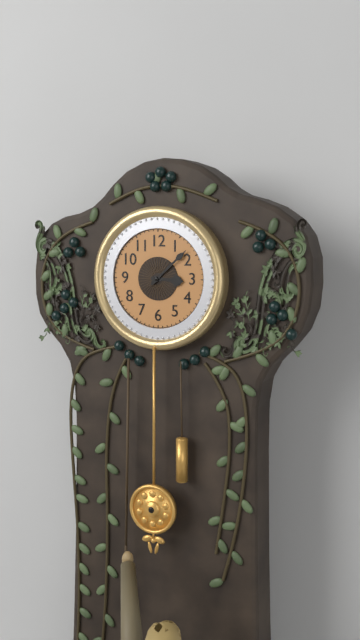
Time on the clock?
3:08
